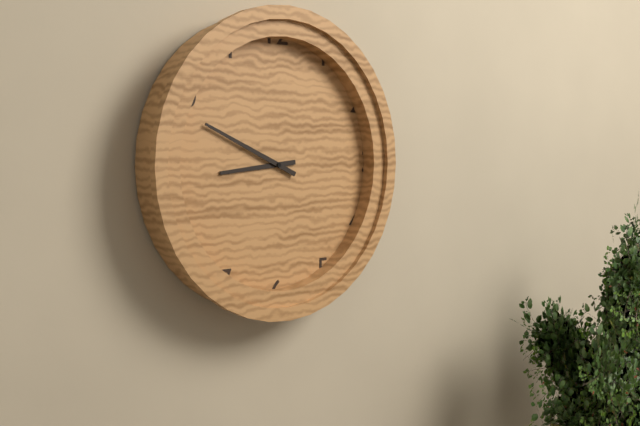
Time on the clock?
8:49
